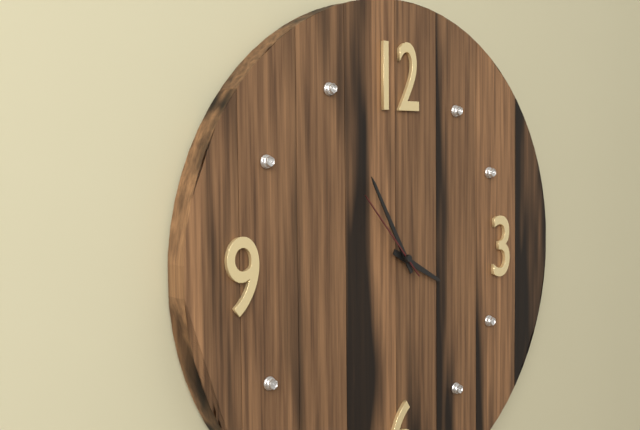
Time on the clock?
3:55:53
